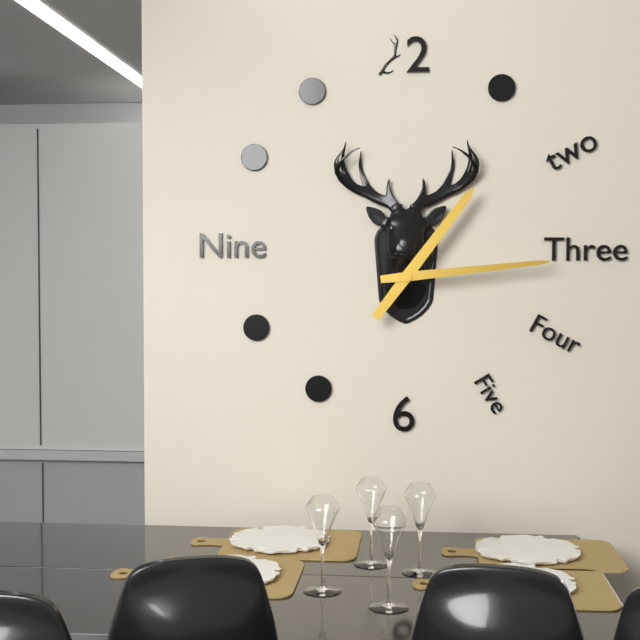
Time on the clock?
1:14
